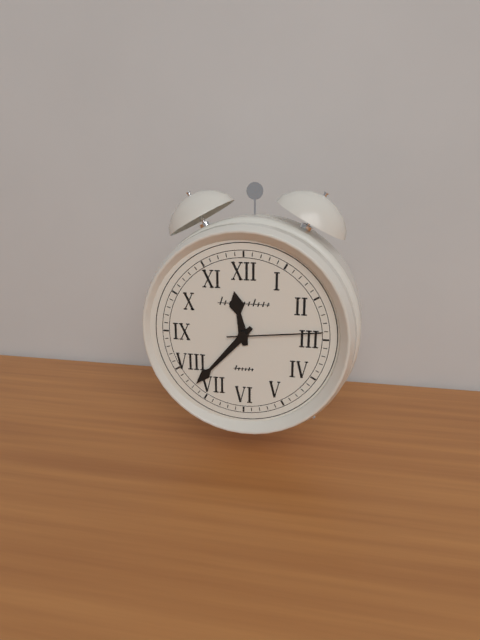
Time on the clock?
11:37:14
